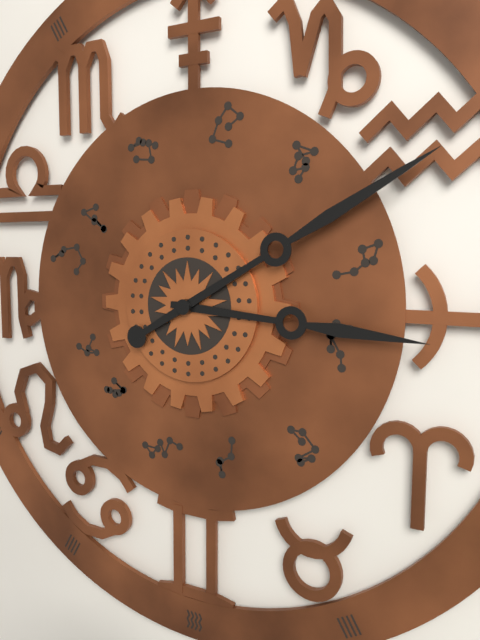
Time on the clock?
3:10
